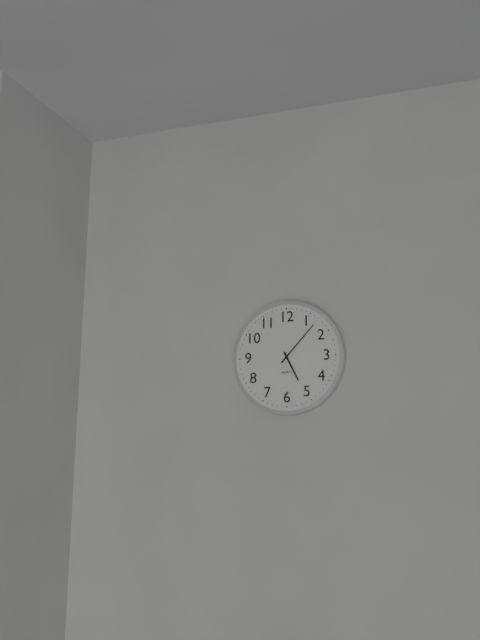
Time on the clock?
5:07
